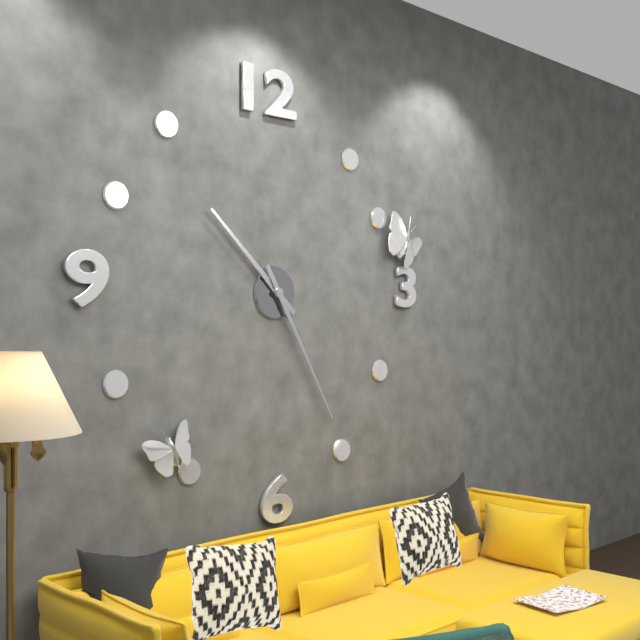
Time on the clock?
10:25
